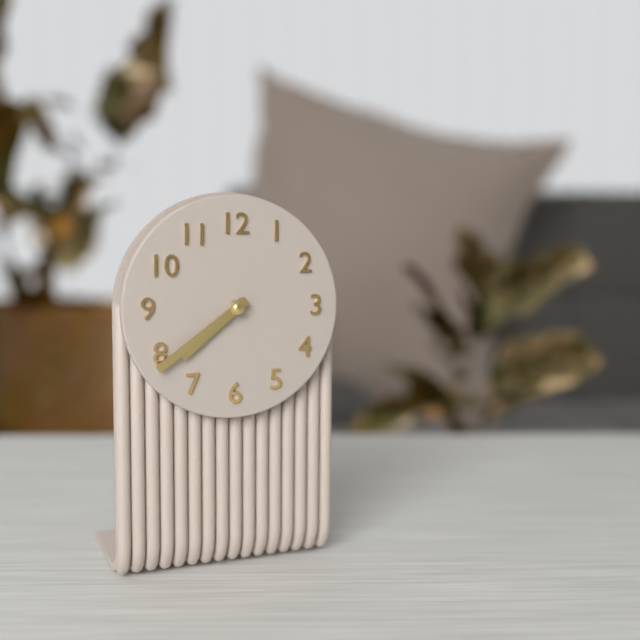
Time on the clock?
7:39
